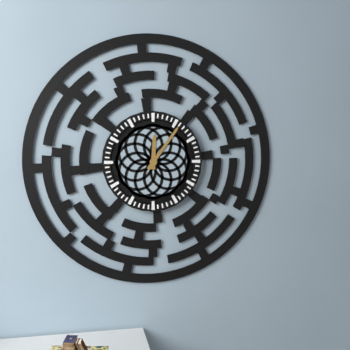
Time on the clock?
12:06
